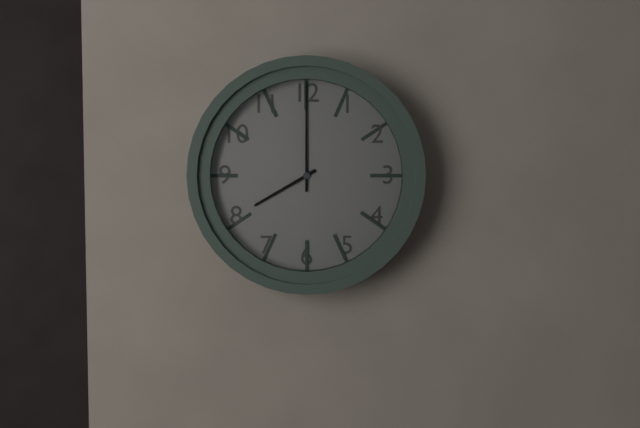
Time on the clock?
8:00
